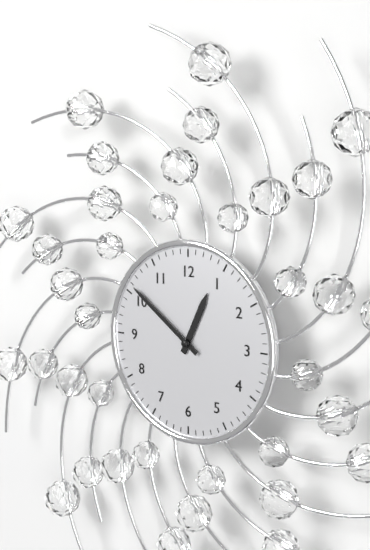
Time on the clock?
12:51
